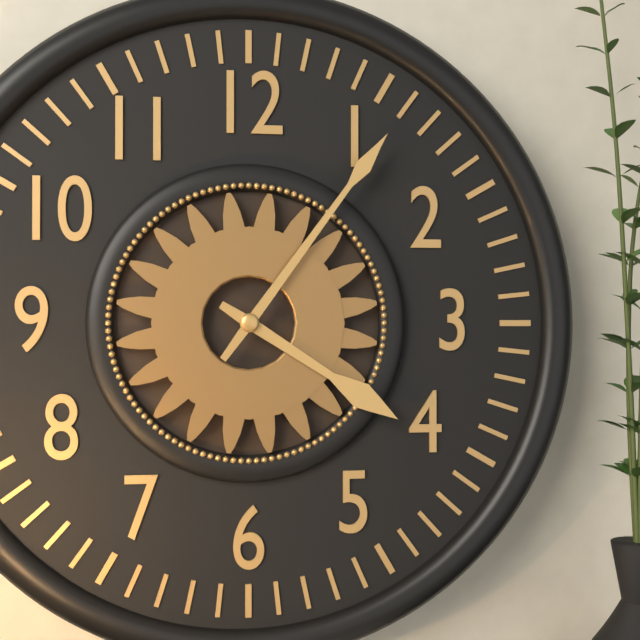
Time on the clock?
4:06
